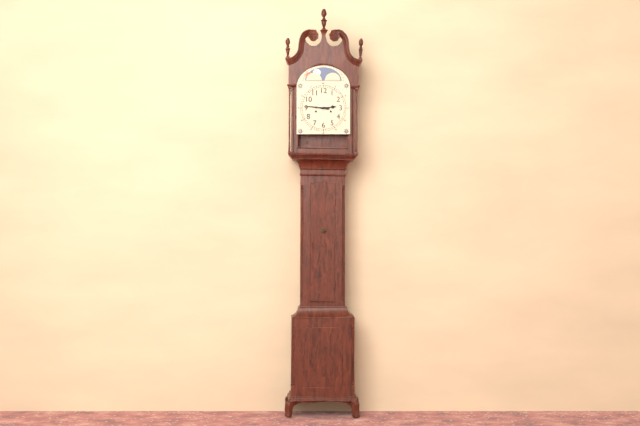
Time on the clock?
2:46
